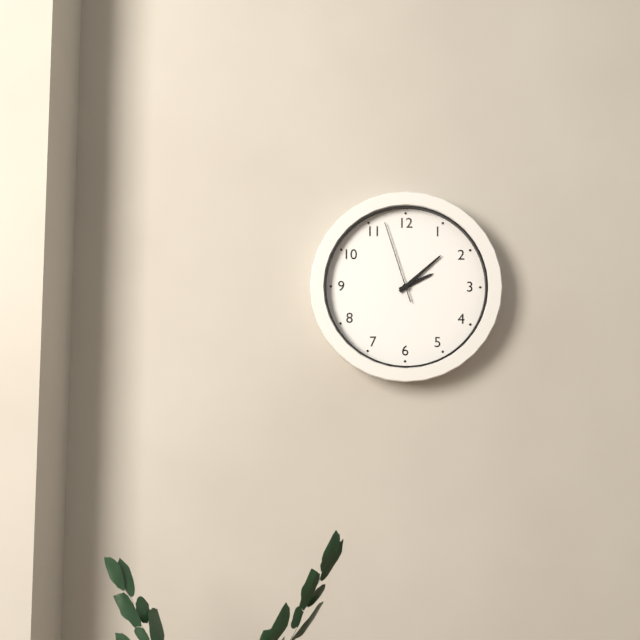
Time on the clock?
2:08:57
